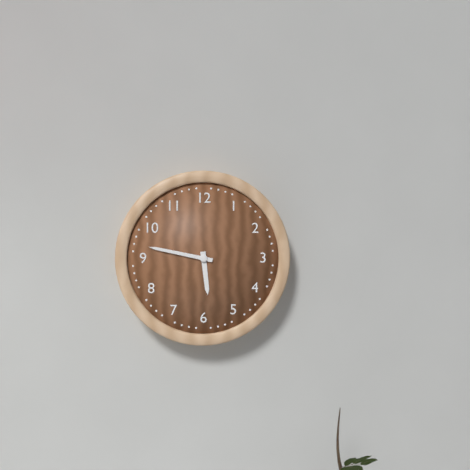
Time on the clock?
5:47
